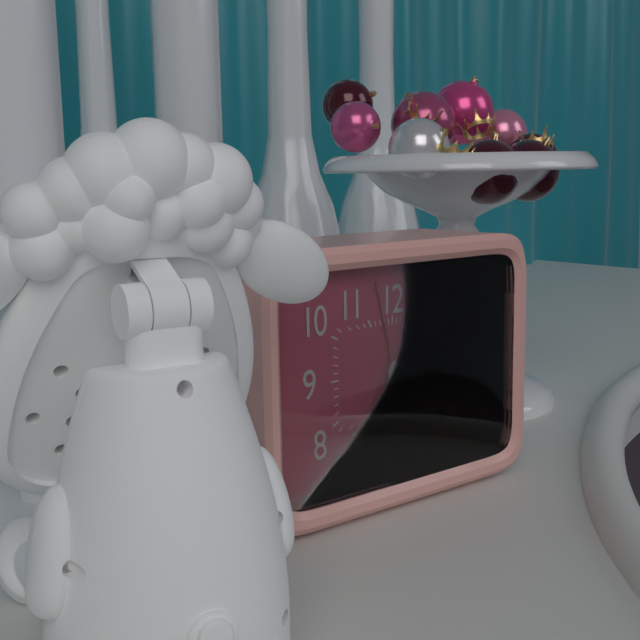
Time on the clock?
6:36
